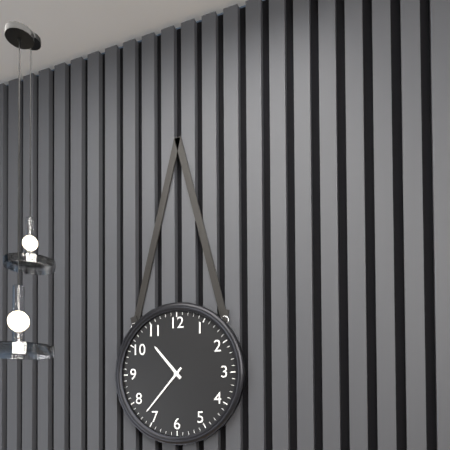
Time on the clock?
10:37
